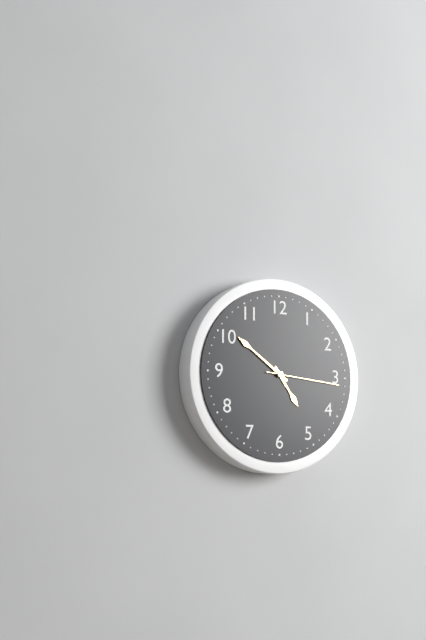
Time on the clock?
4:51:16
